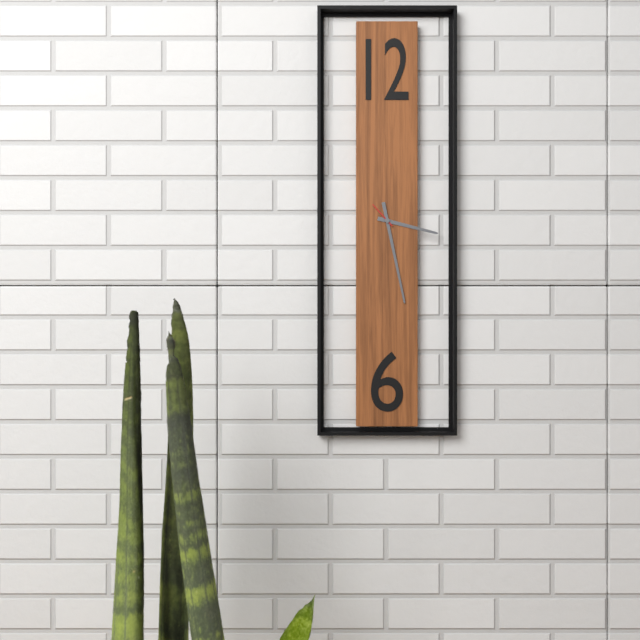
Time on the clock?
3:28
